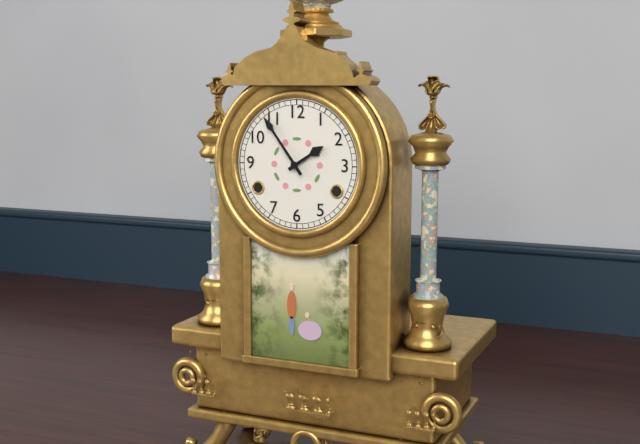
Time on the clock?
1:54
